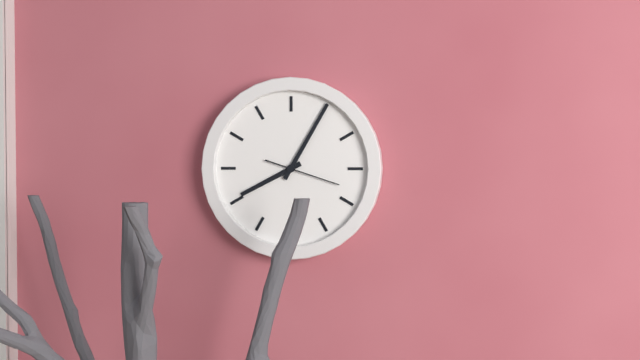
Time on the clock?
8:05:18
